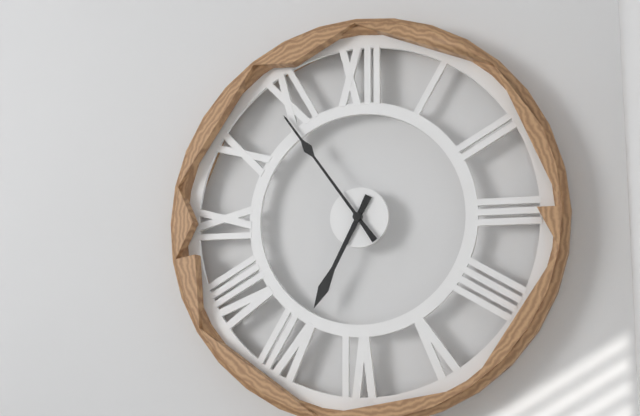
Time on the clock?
6:54
